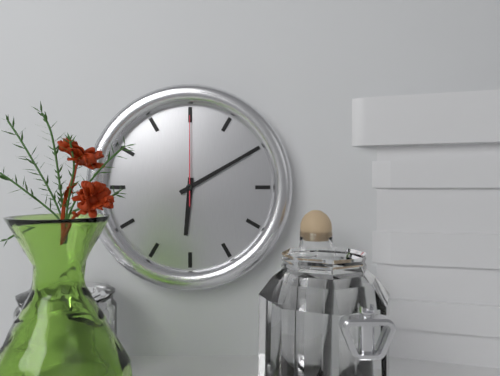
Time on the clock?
6:10:00
